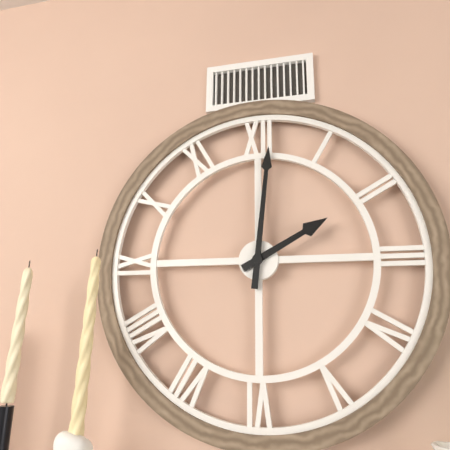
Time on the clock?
2:01
